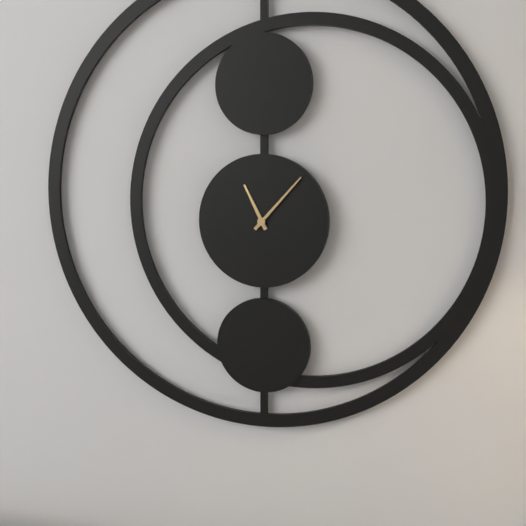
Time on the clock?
11:07
